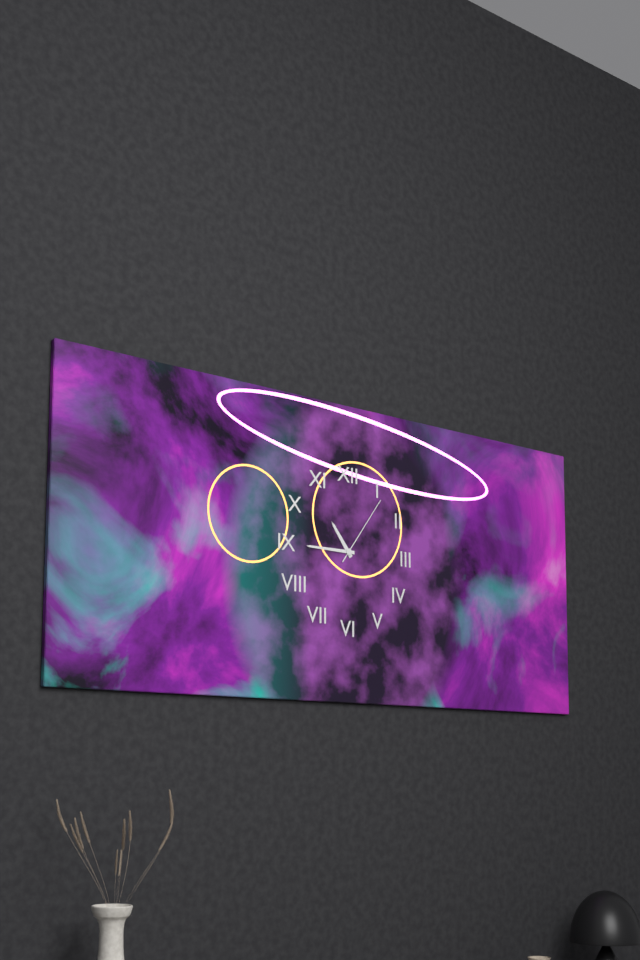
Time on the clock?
10:45:06
